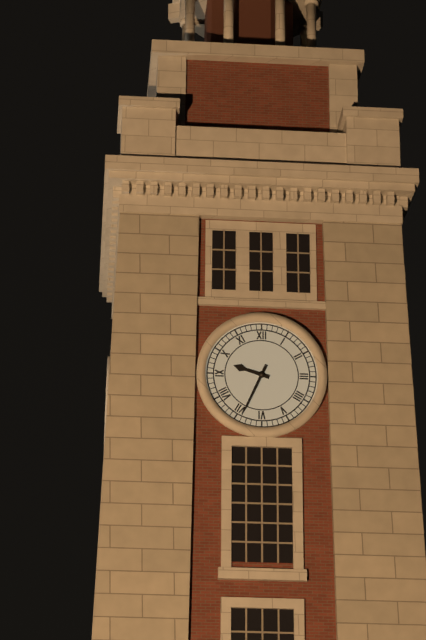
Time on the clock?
9:34
